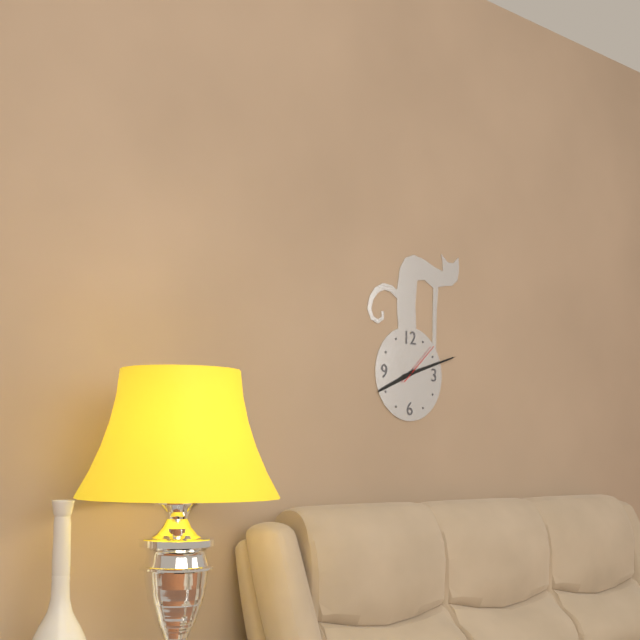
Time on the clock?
8:12
